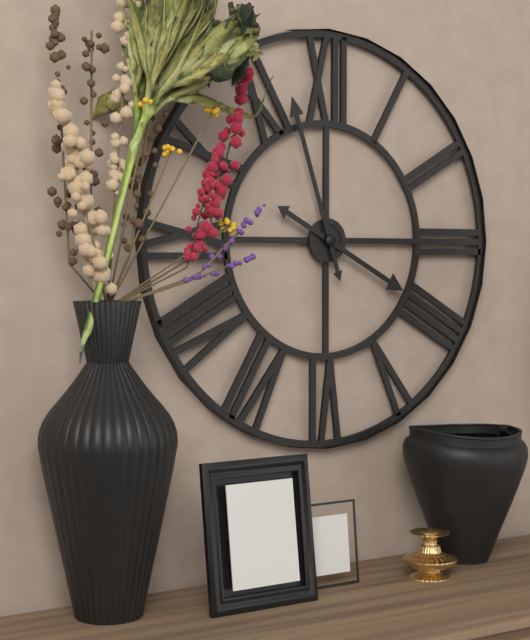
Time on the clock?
3:57
